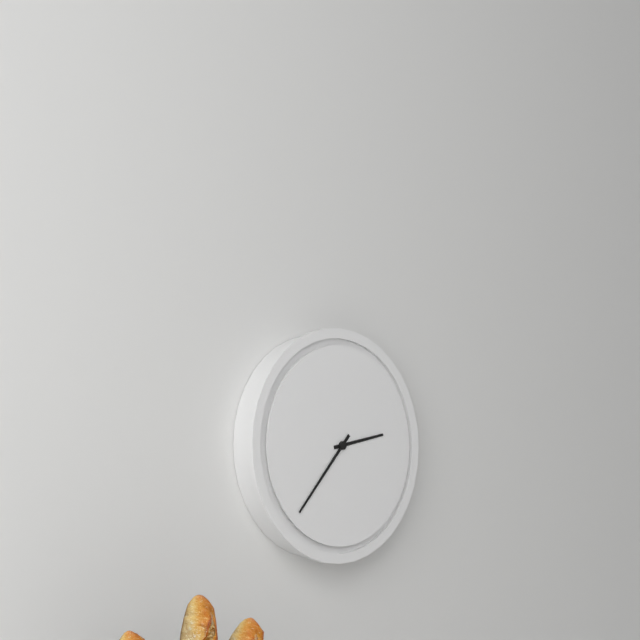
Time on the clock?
2:37
